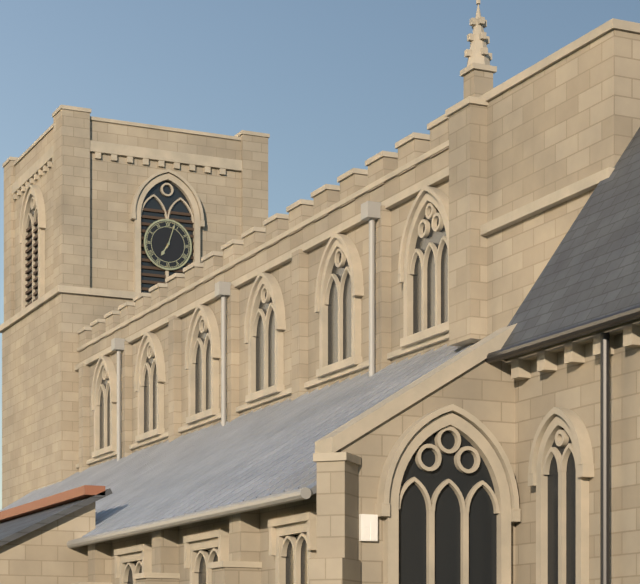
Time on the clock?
7:03
